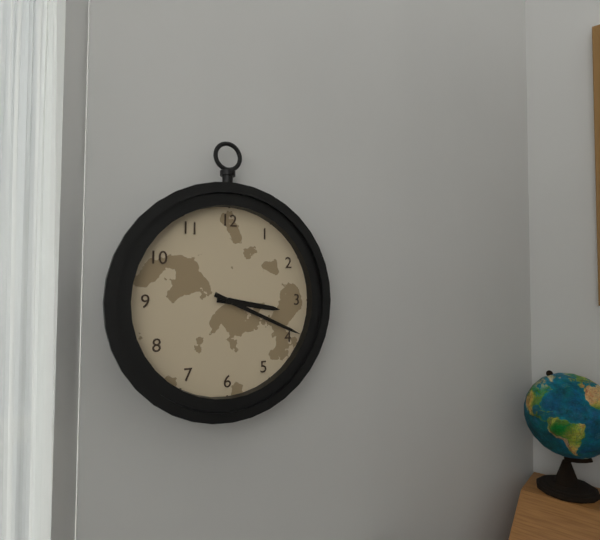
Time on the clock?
3:19
